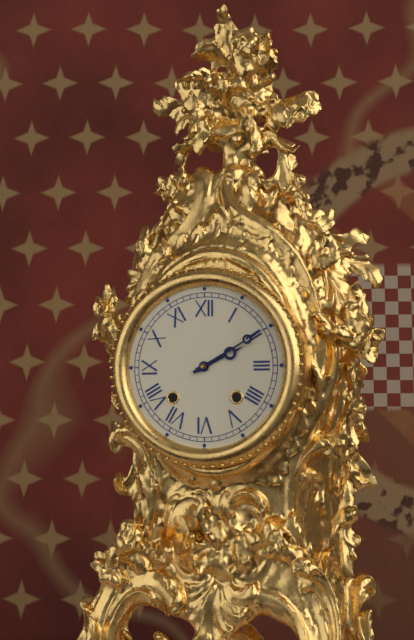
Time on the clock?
2:10
